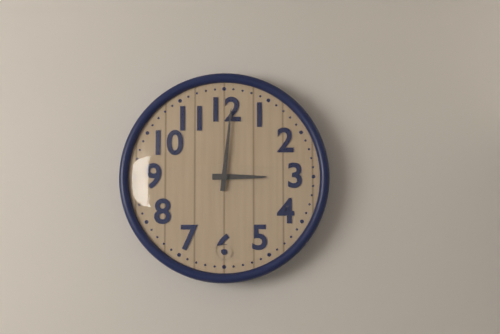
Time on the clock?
3:01
